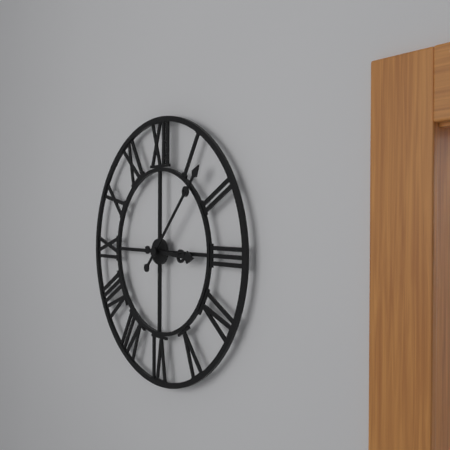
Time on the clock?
3:07
